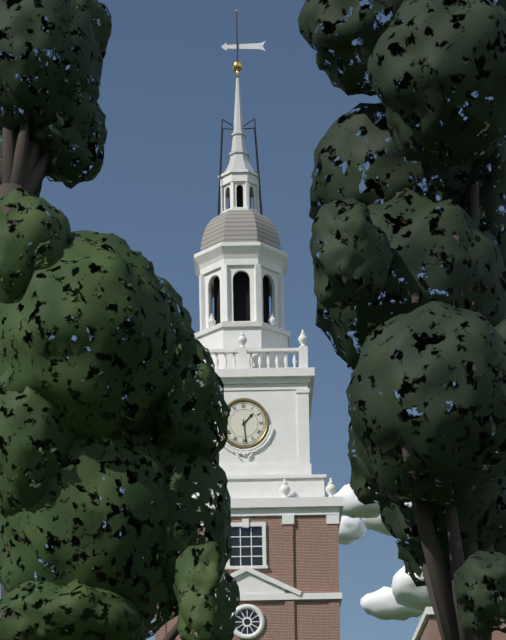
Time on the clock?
1:29
